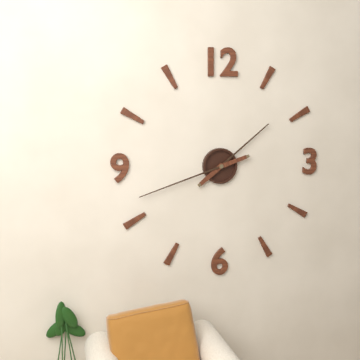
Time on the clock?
1:42
